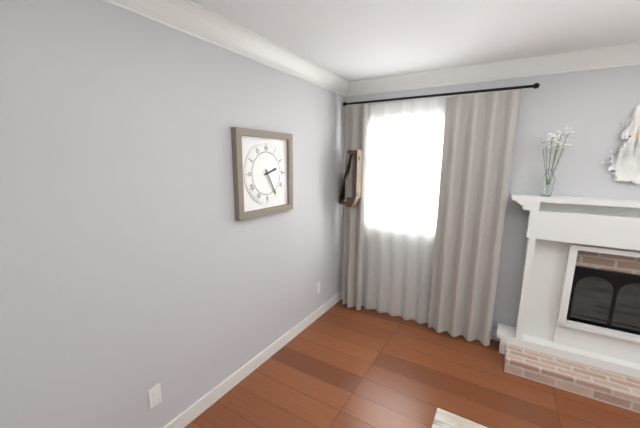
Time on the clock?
2:25
